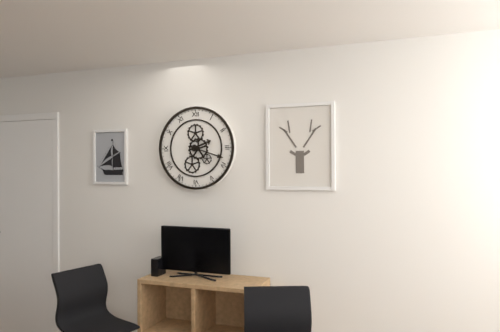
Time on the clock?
2:18
